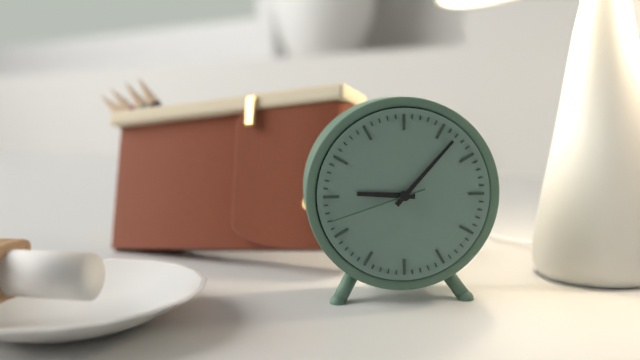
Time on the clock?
9:07:42
